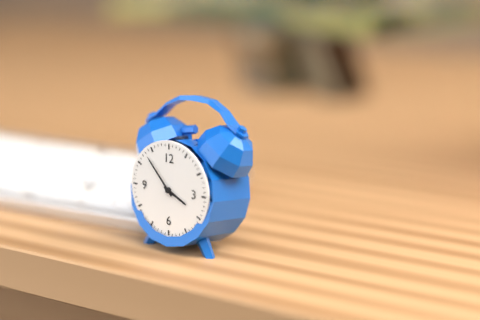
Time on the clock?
3:53
